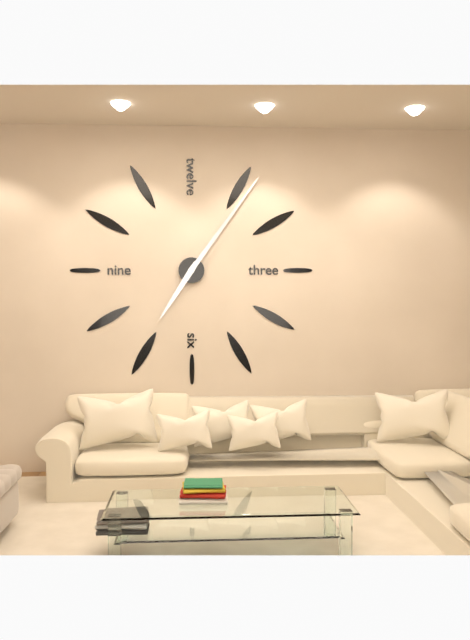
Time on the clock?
7:06
